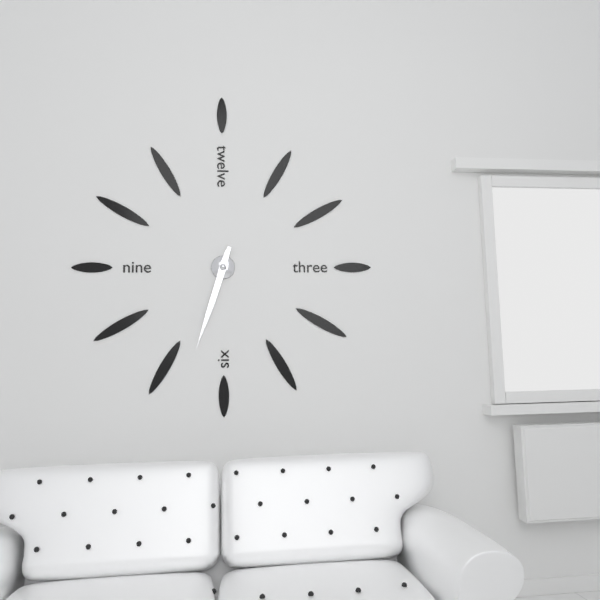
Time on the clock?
6:33
